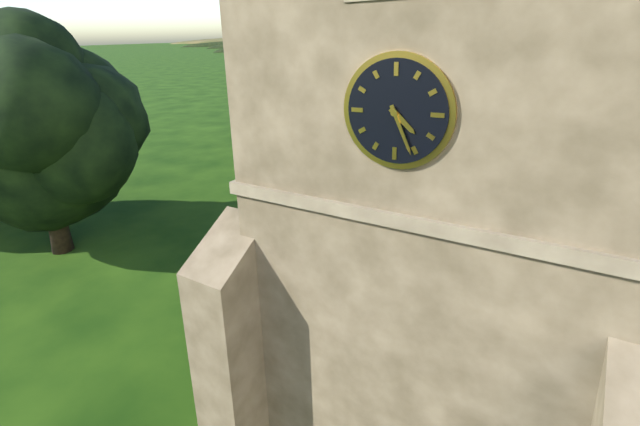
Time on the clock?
4:26
